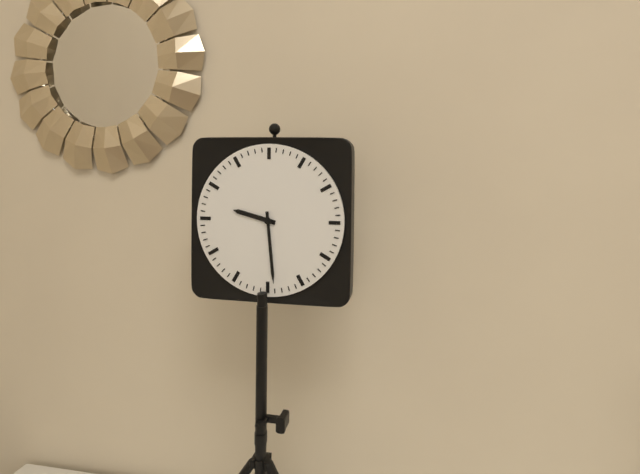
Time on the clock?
9:29
